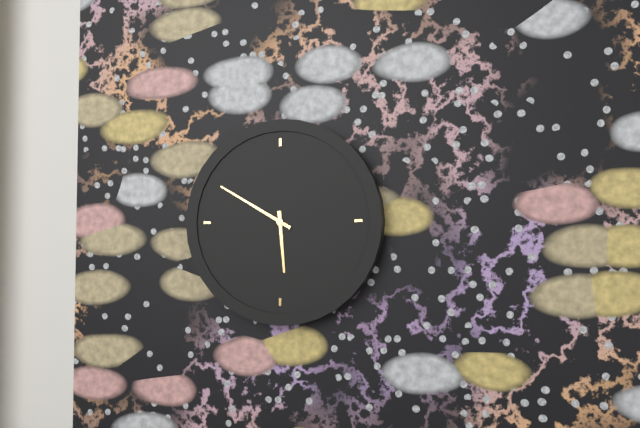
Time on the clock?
5:50
